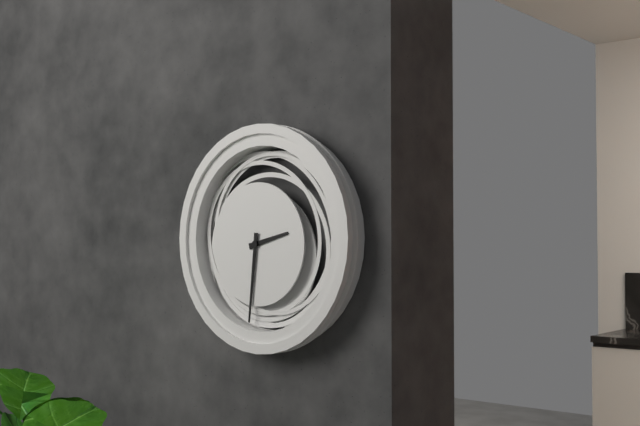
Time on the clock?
2:31
